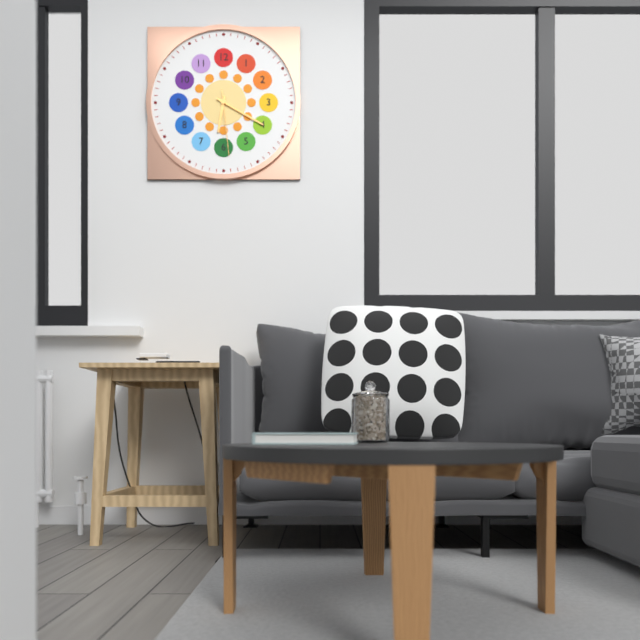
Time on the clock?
6:20:29
